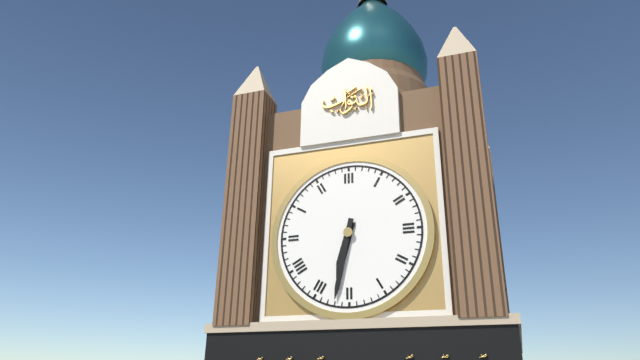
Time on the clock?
6:32
